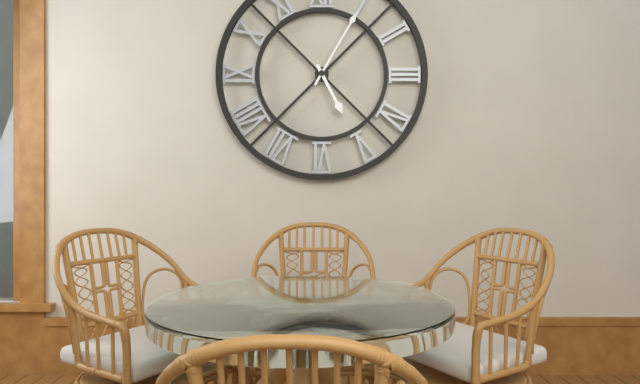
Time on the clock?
5:05
